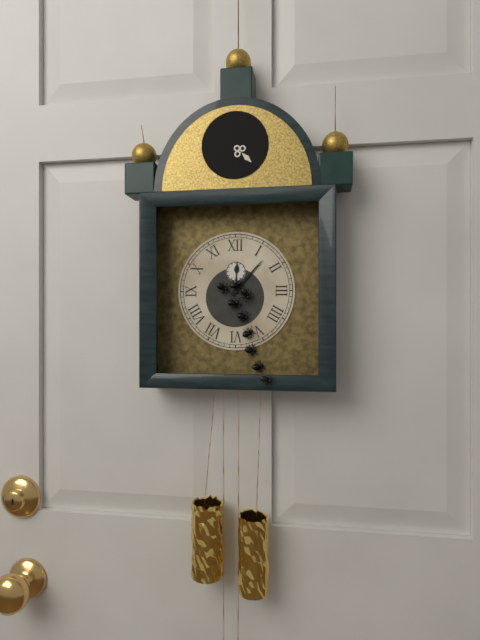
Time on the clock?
12:07
